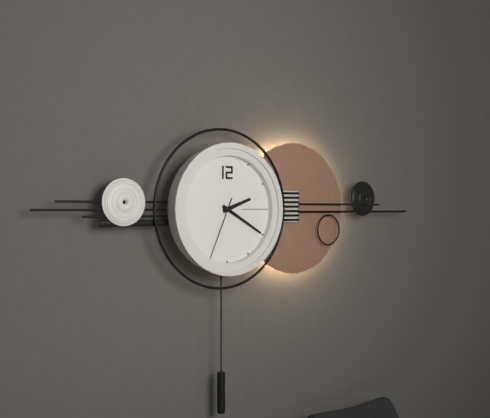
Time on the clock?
2:20:34
